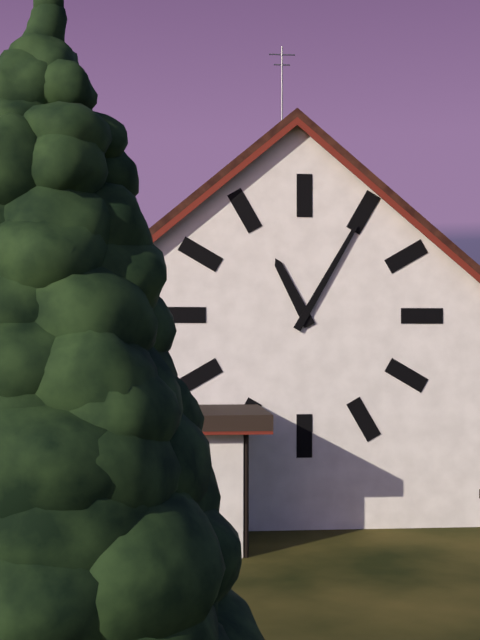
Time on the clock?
11:05
